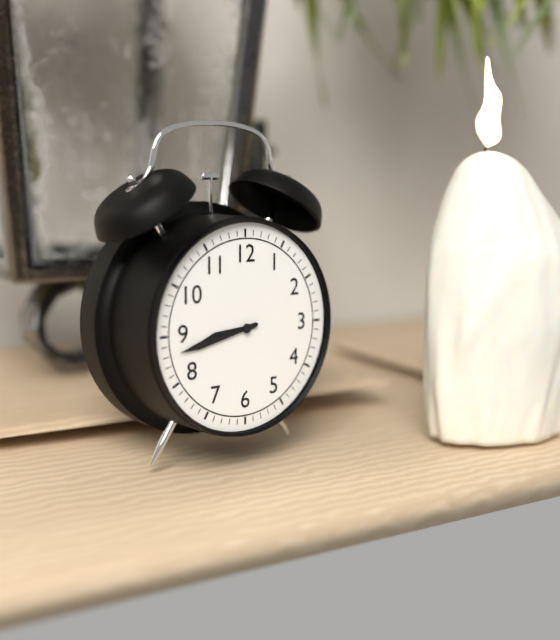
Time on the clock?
8:43
